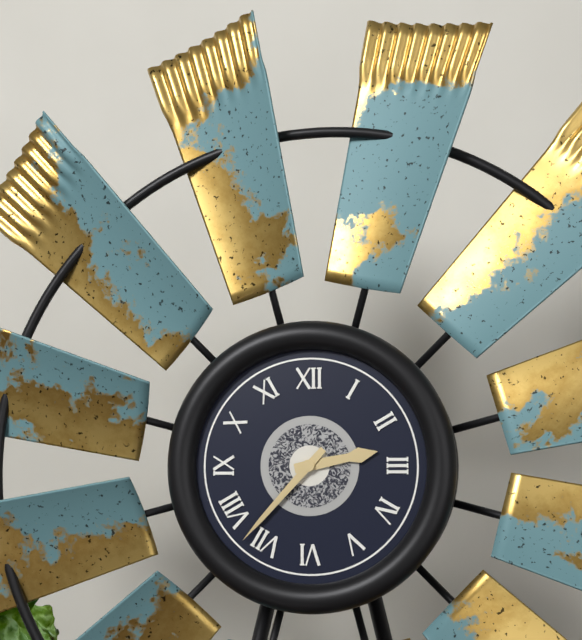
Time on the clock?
2:37
